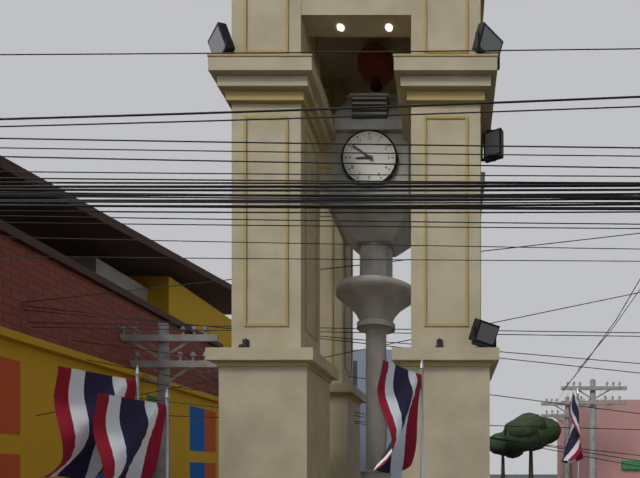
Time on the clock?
8:51
